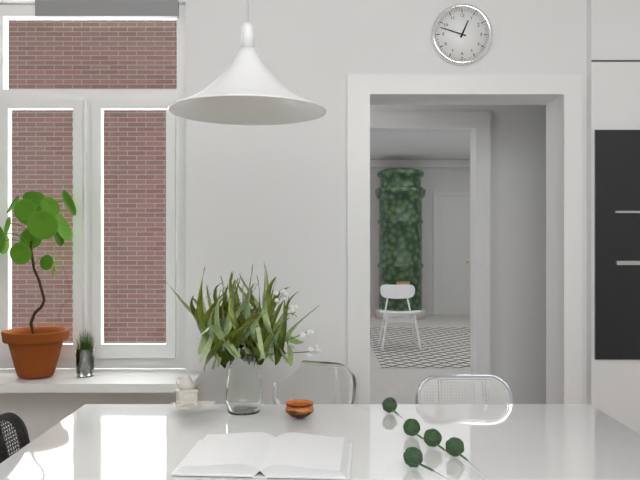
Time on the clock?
12:48
